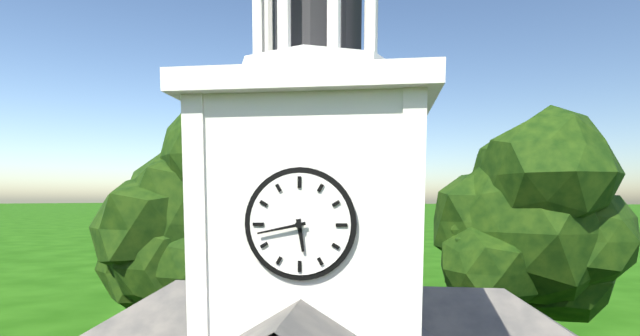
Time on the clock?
5:43
